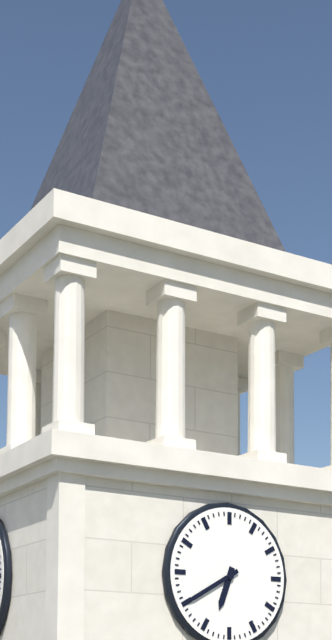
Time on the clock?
6:40
